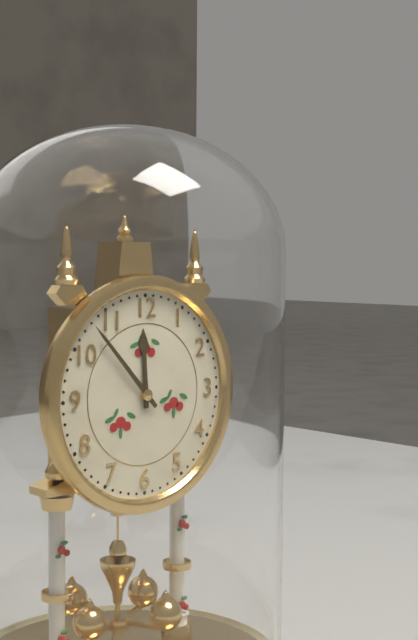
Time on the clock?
11:53
